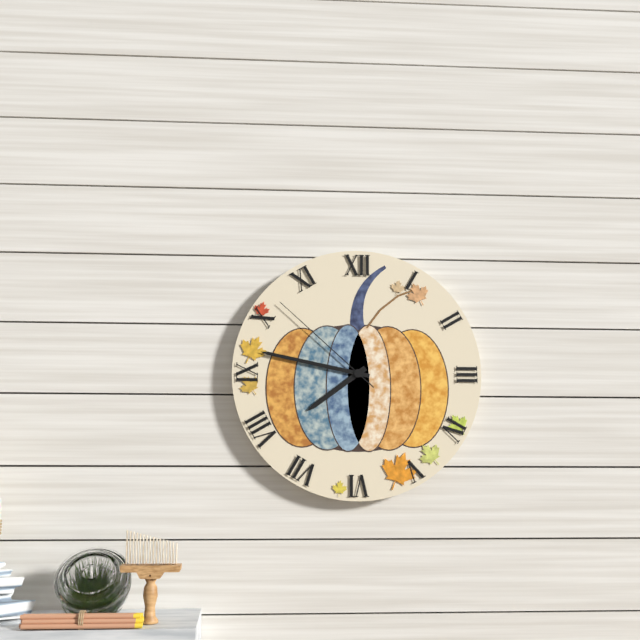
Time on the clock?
7:47:52
